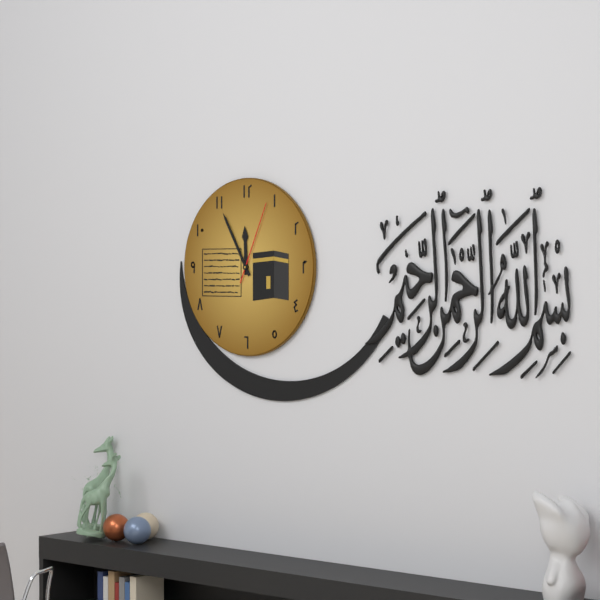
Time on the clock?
11:55:04
